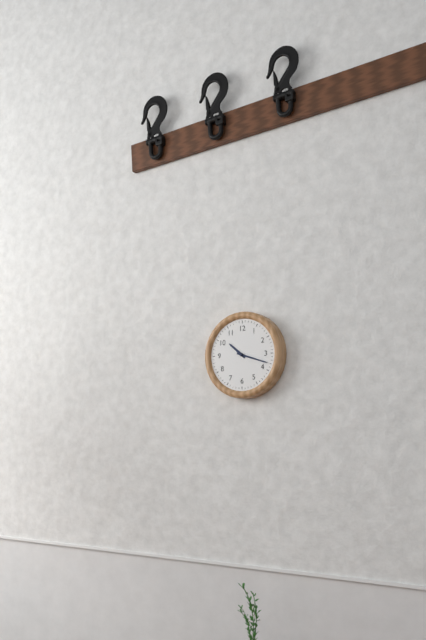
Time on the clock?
10:18
